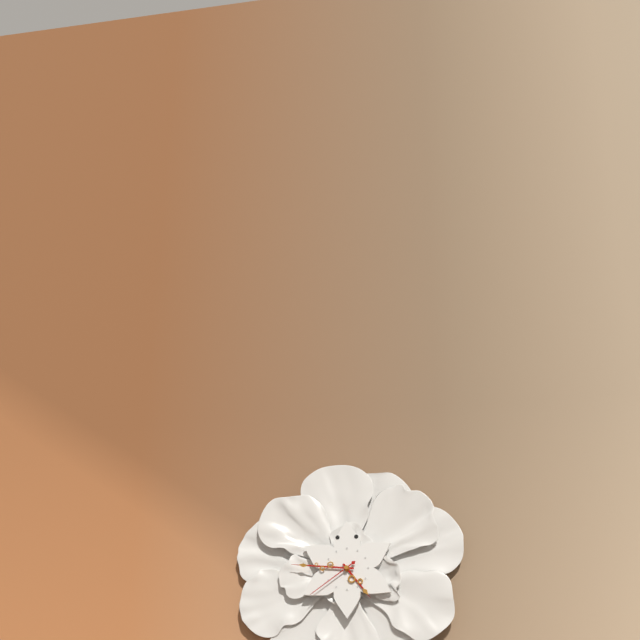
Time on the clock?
4:46:39
